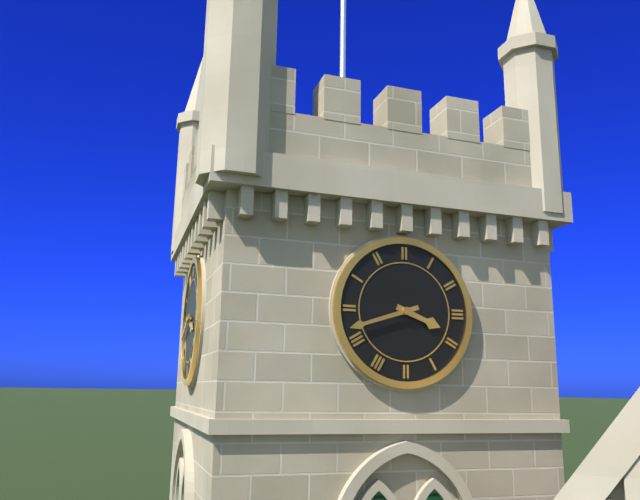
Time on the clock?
3:42
